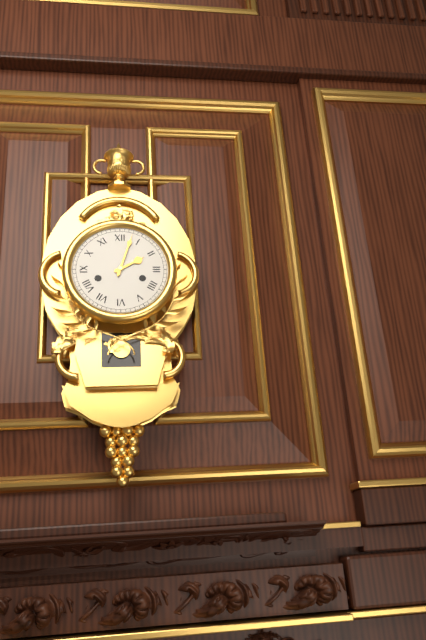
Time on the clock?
2:03
